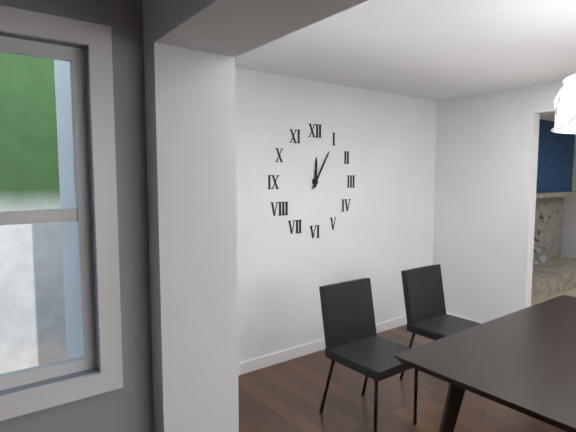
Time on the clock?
12:05
